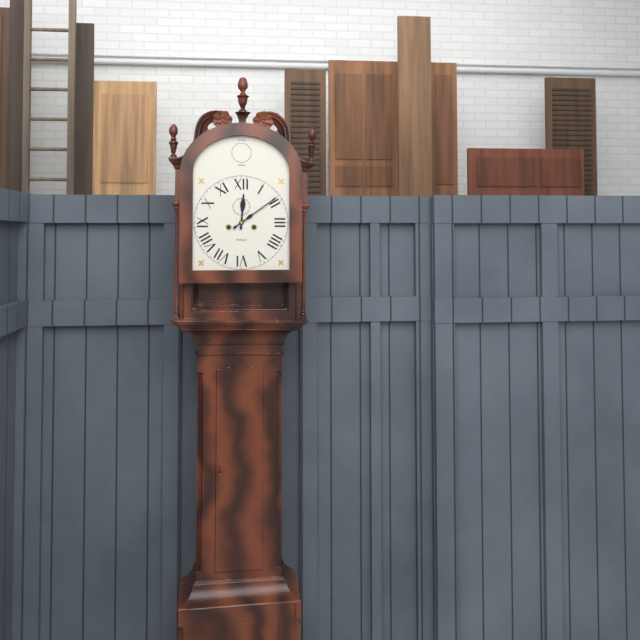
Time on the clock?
12:09
